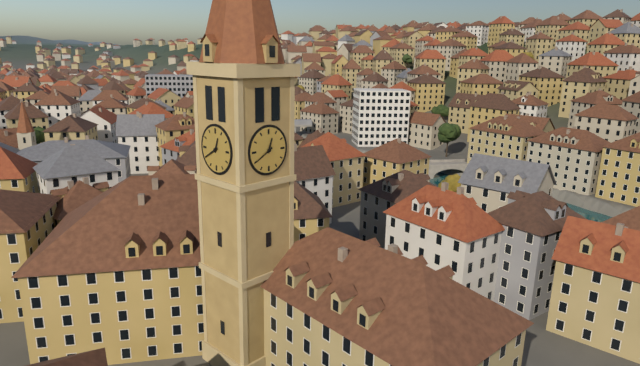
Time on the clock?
12:40
